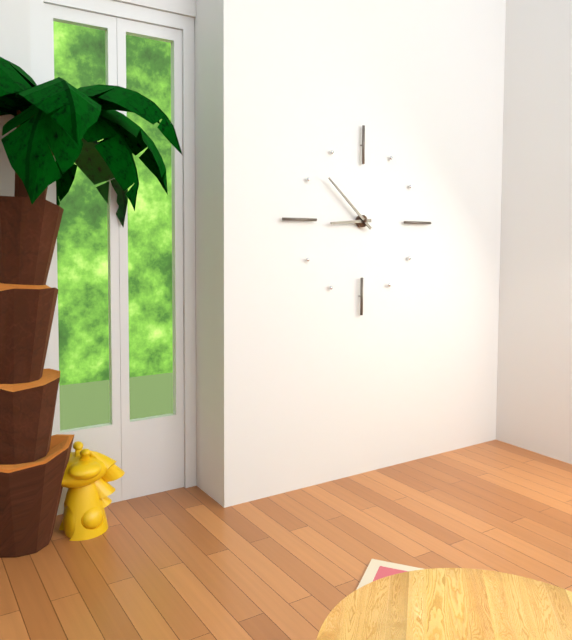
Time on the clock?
8:52
